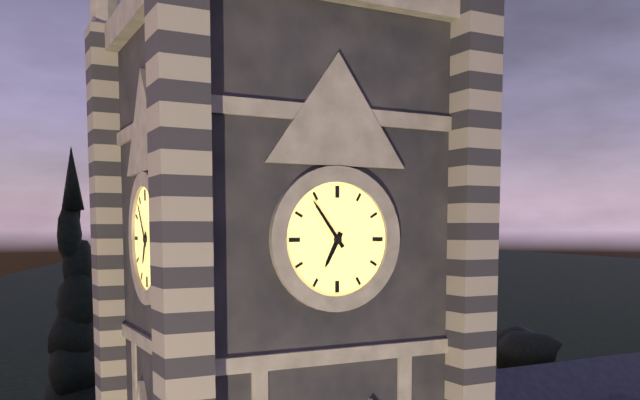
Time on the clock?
6:54
